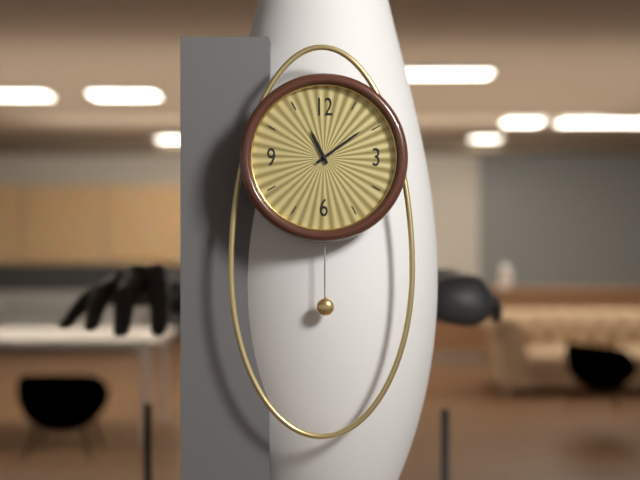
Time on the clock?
11:09
